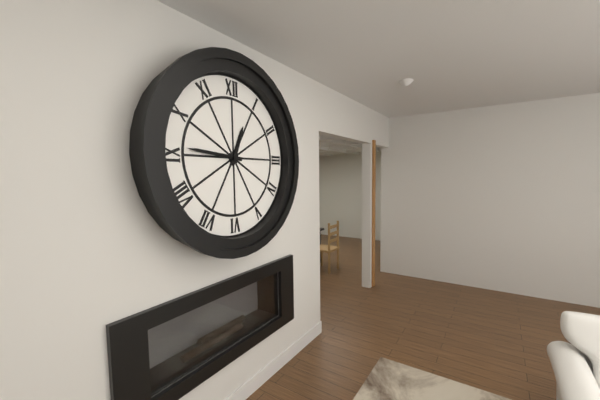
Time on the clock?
12:46
